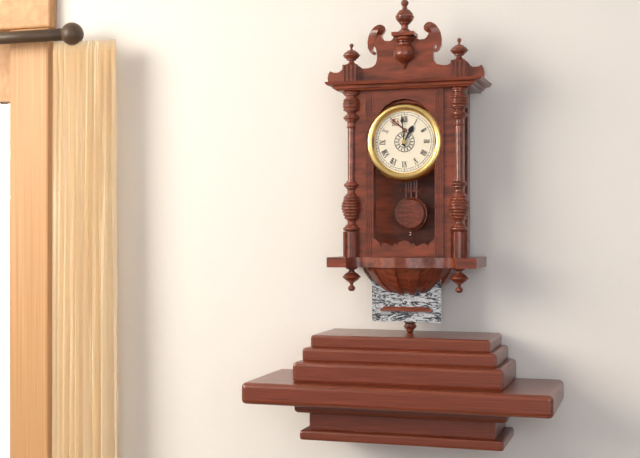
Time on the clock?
12:59
